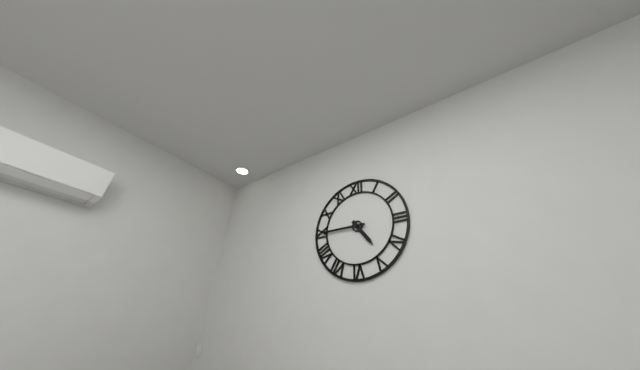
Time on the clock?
4:45
